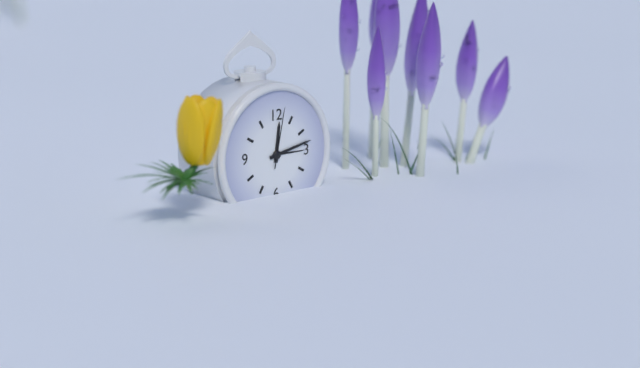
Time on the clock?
12:13:02
